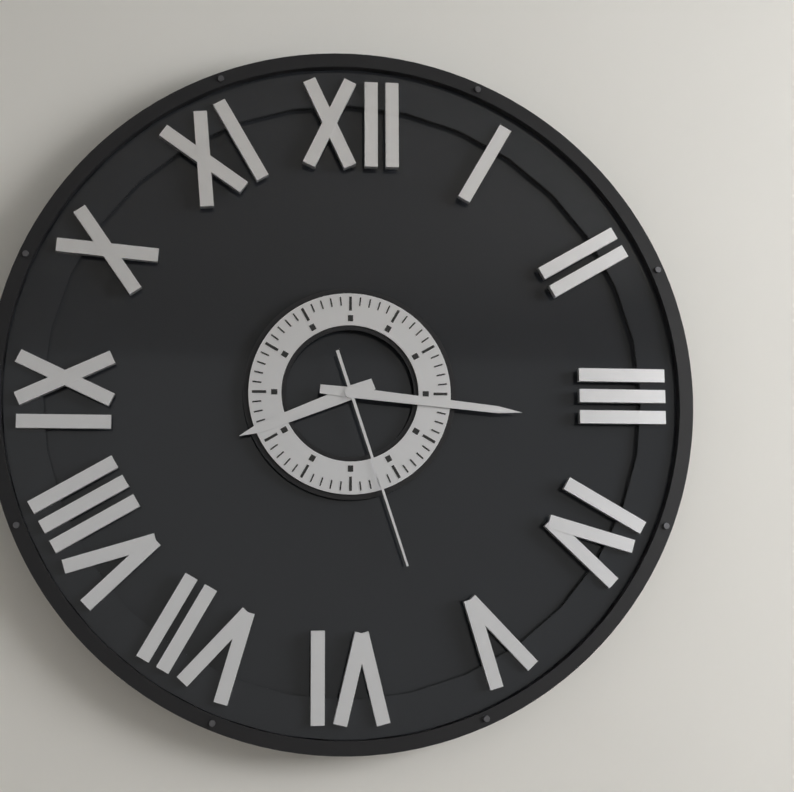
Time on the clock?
8:16:27
